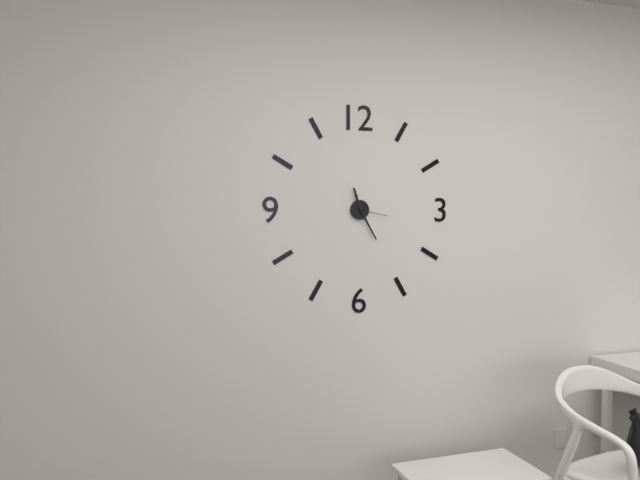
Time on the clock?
11:25
